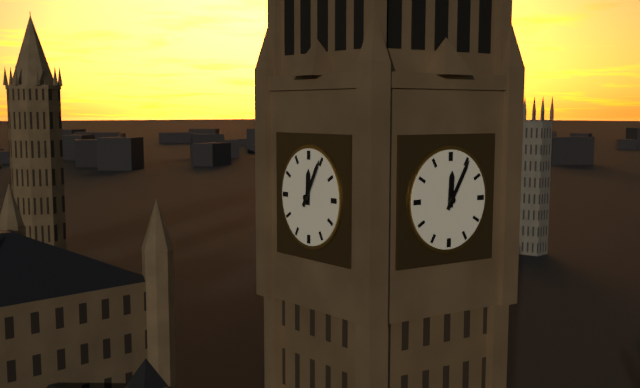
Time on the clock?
12:05
